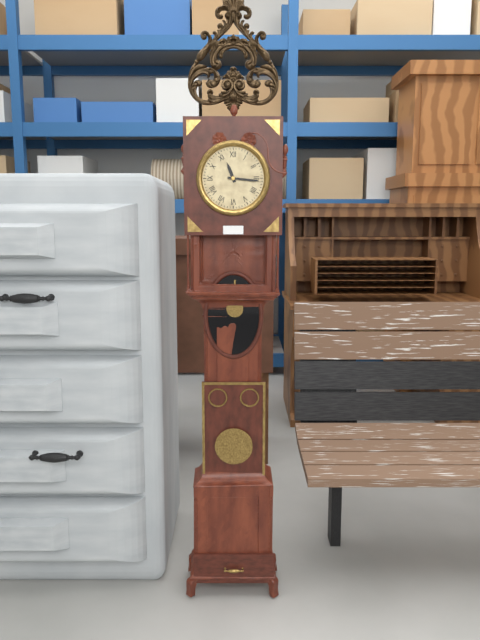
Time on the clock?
11:16
